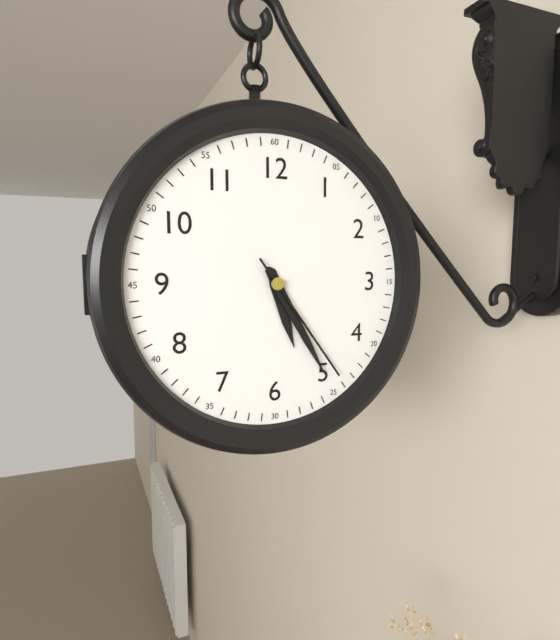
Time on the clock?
5:25:24
